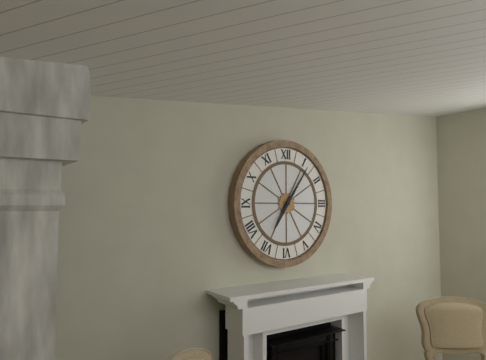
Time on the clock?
7:06
